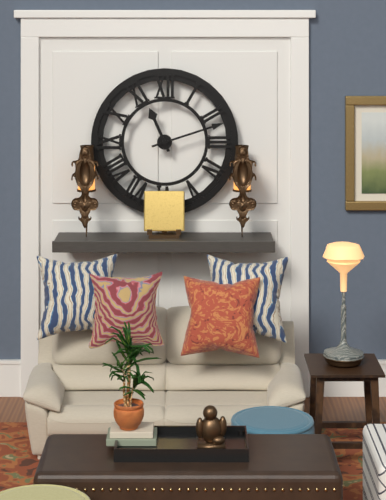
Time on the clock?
11:12
